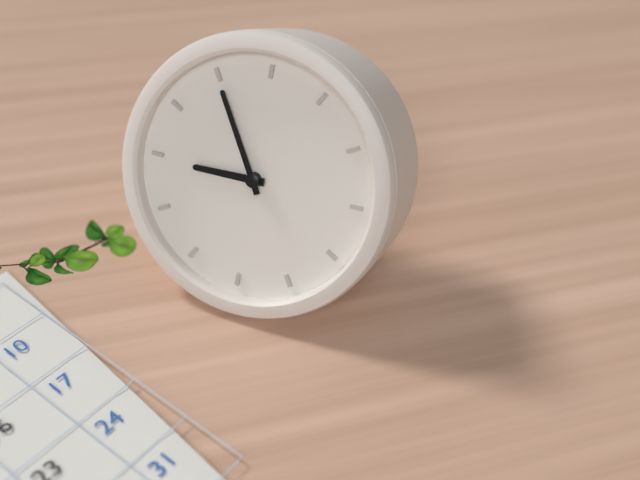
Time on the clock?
8:55
